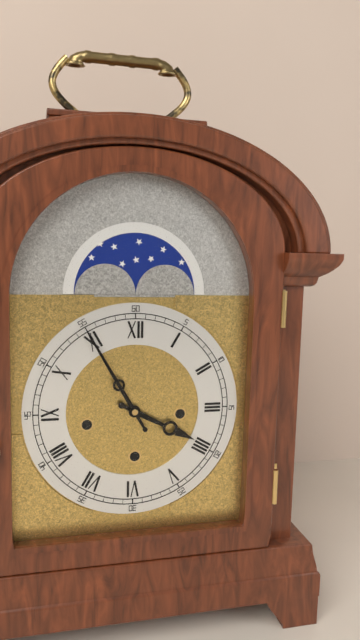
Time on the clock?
3:55
